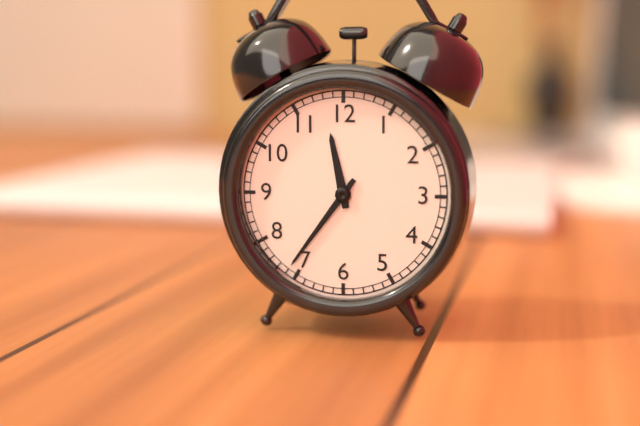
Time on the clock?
11:36
